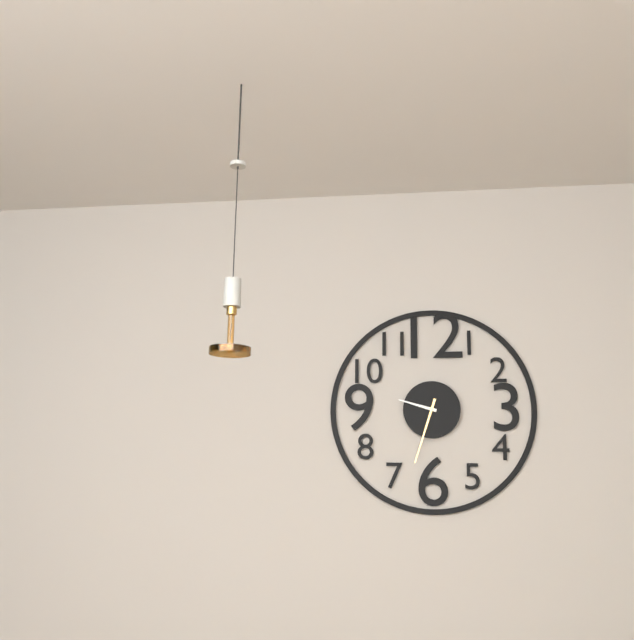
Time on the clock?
9:33
